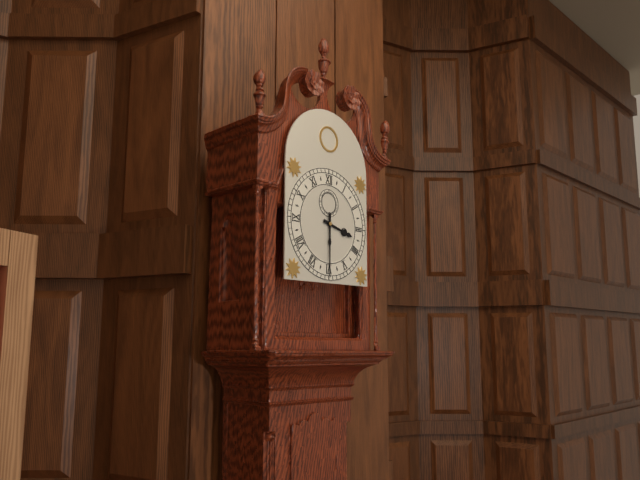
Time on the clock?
3:30
